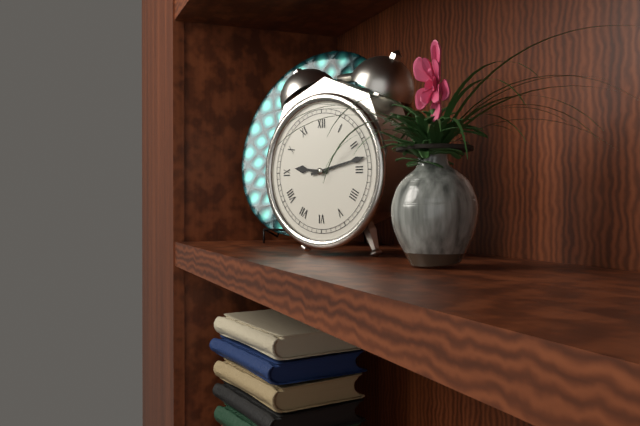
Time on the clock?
9:13
